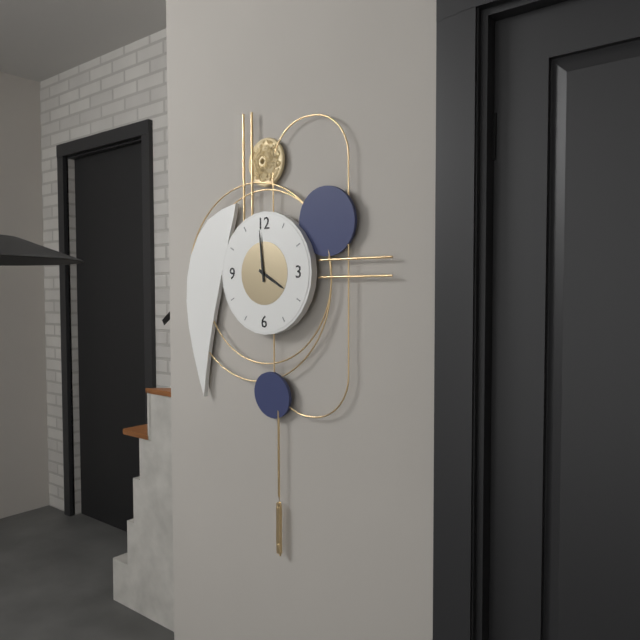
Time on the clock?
3:59
